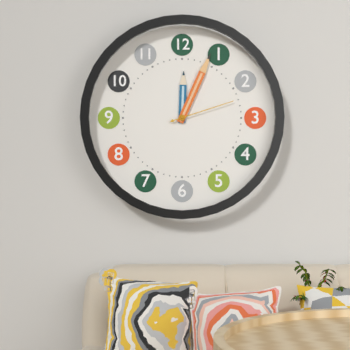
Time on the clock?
12:04:12
